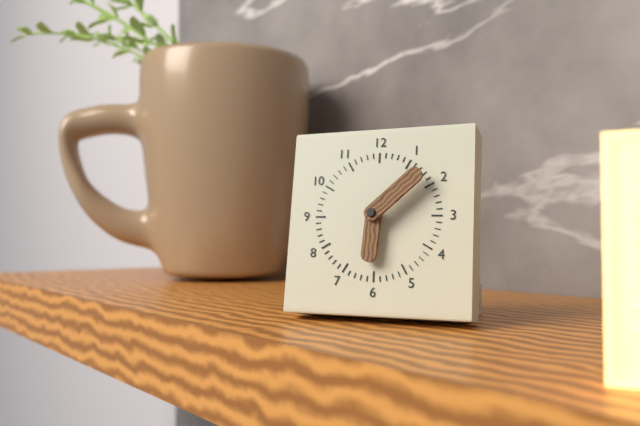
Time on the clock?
6:08
